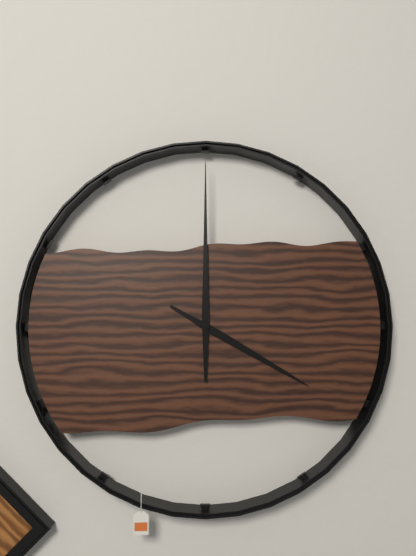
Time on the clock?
4:00
